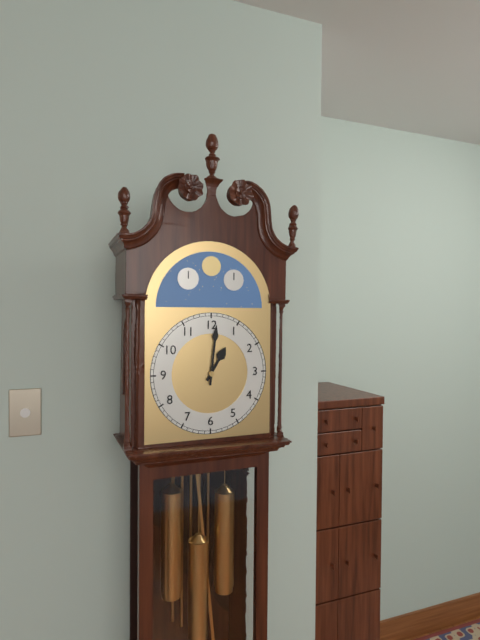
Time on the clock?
1:01
